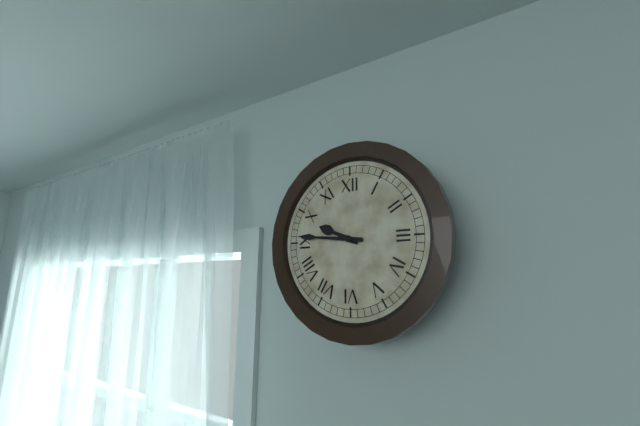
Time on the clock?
9:46
